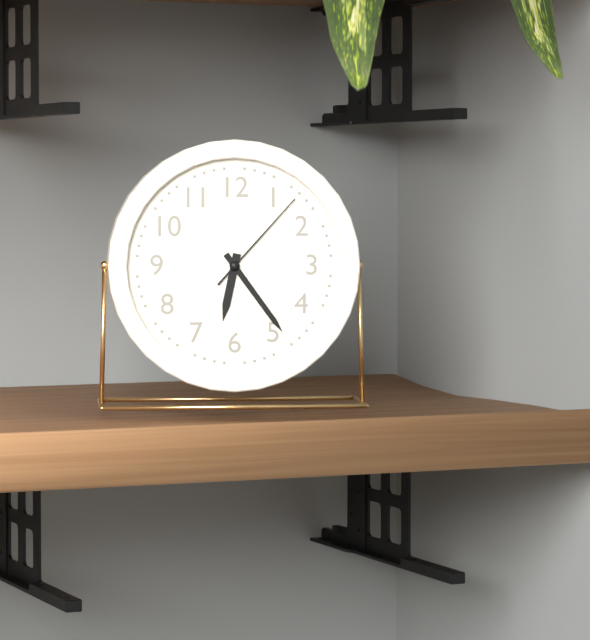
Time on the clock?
6:24:07
